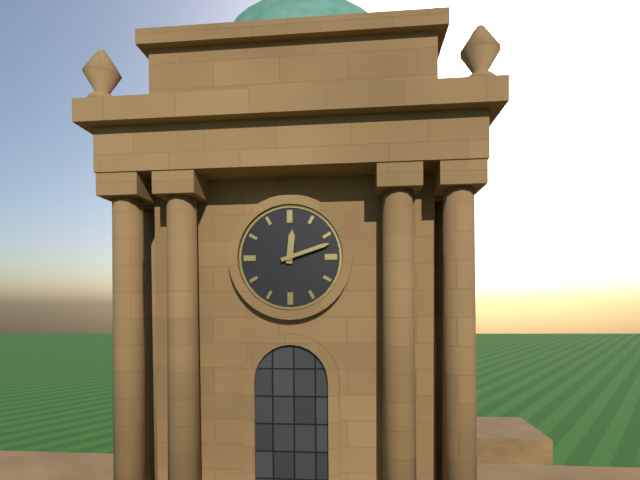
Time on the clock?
12:12
